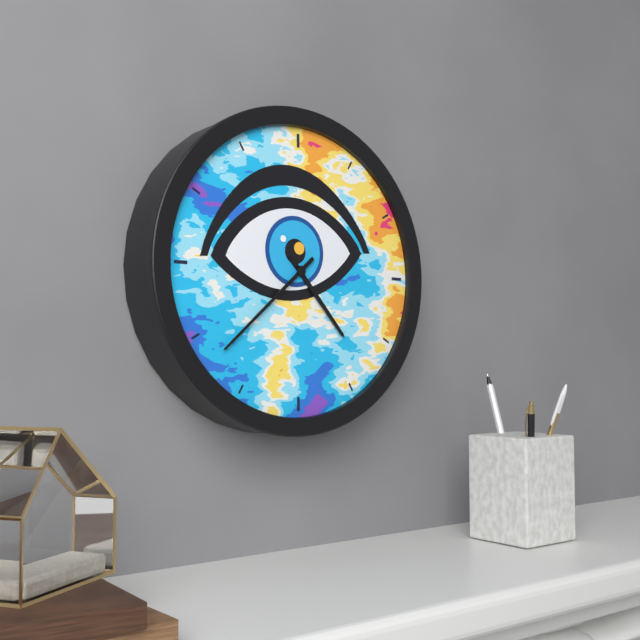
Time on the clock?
4:38
